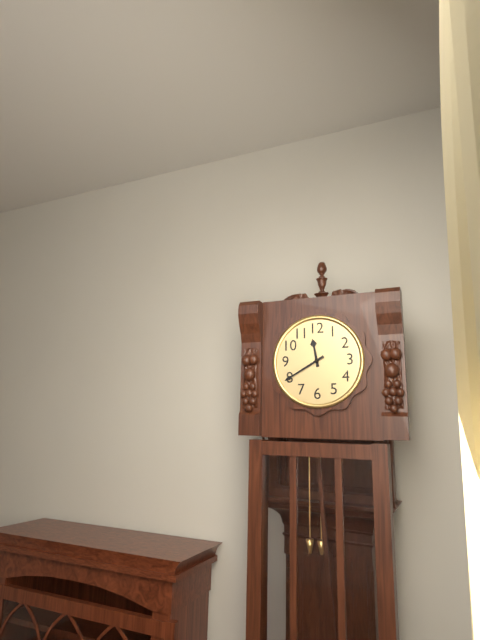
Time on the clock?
11:40
